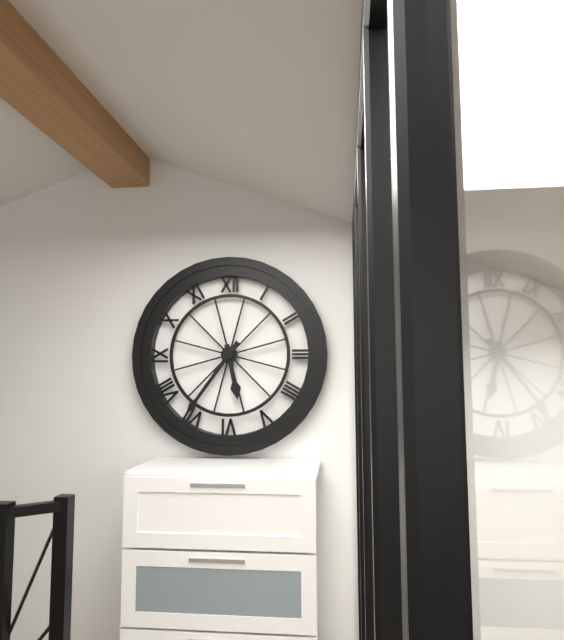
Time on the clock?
5:36
